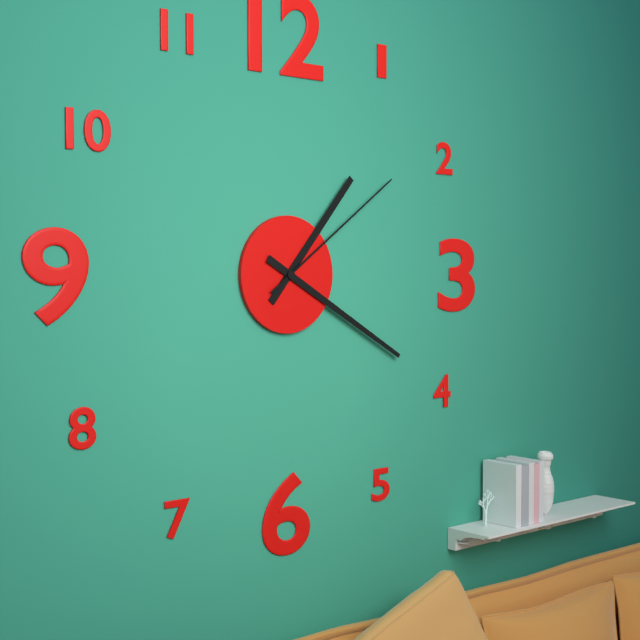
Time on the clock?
1:20:09
